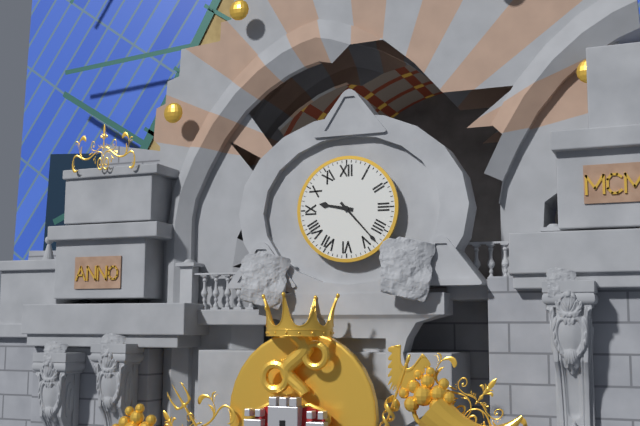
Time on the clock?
9:23
